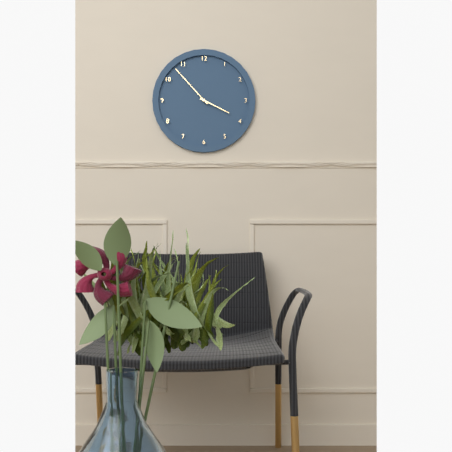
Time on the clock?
3:53
